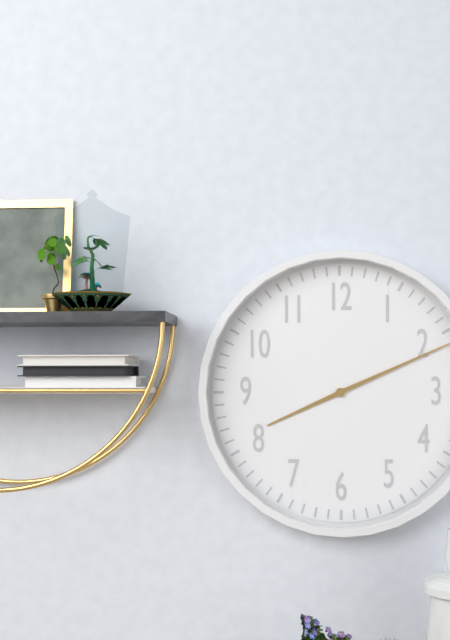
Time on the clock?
8:11
